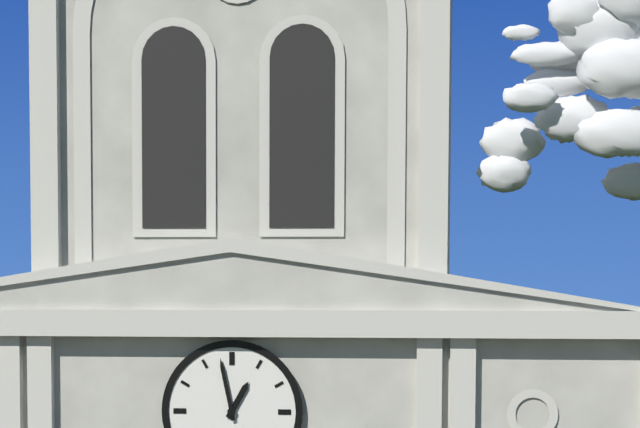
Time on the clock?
12:58
